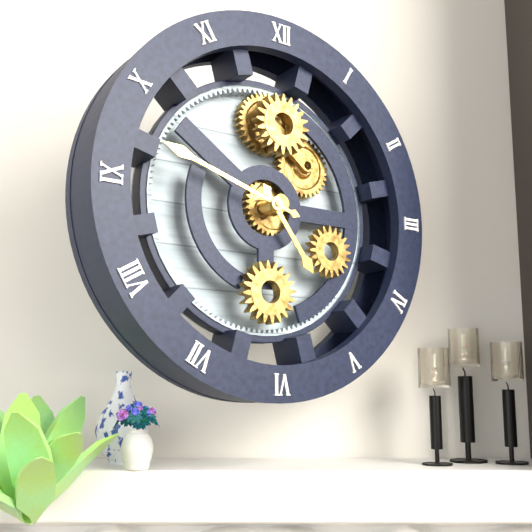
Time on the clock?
4:48
